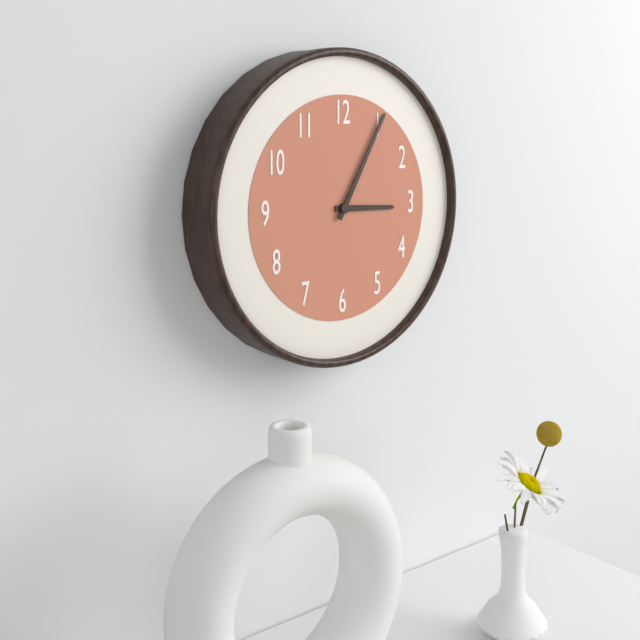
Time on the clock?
3:05
